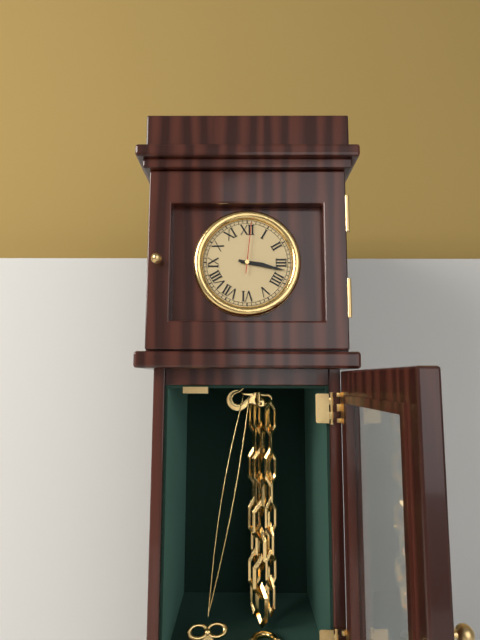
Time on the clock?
3:17:01
